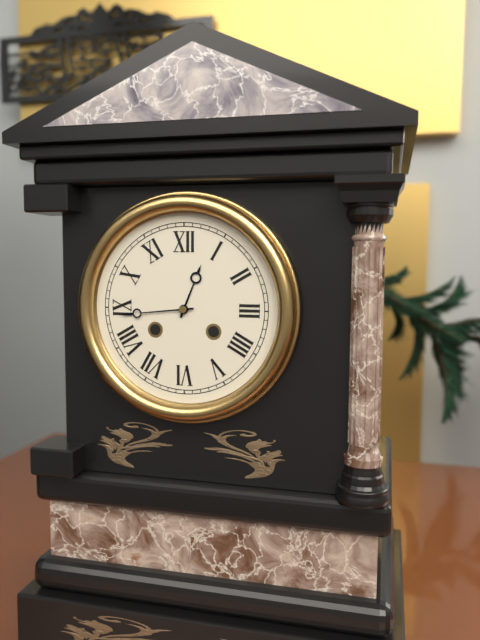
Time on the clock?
12:44
